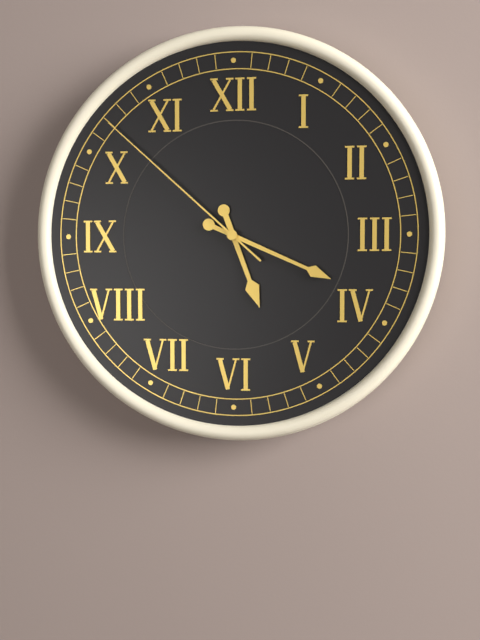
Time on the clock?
5:19:52
